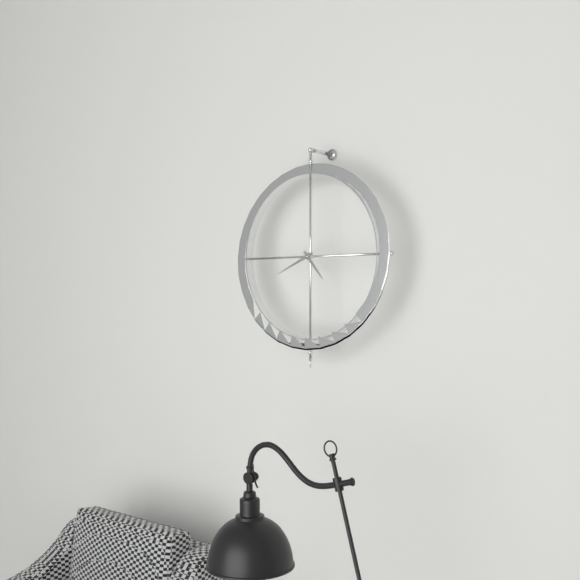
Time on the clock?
4:41
